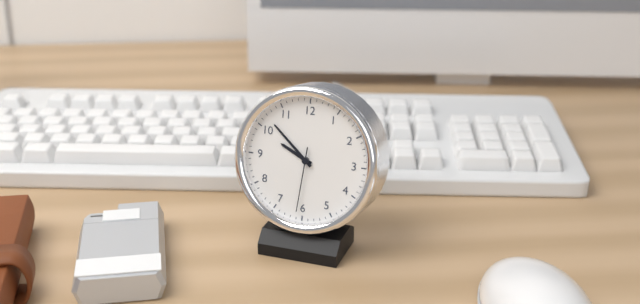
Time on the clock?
9:52:31
